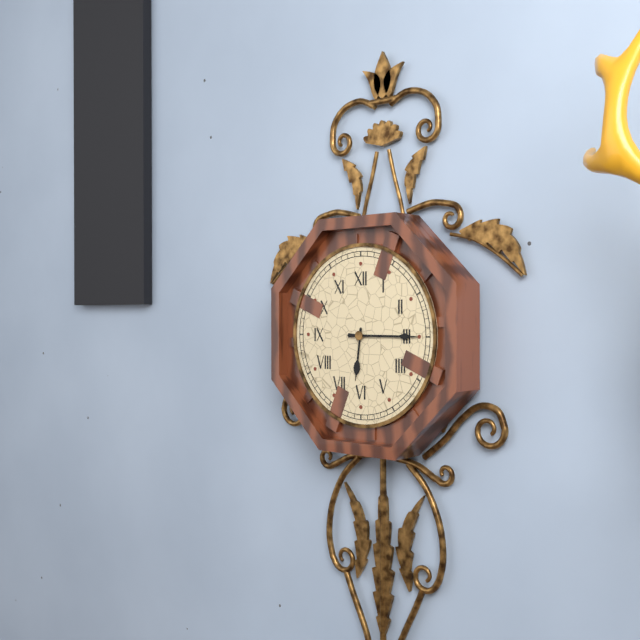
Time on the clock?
6:15
